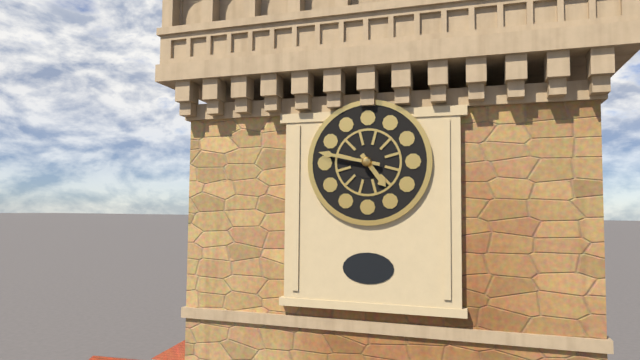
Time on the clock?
4:47
